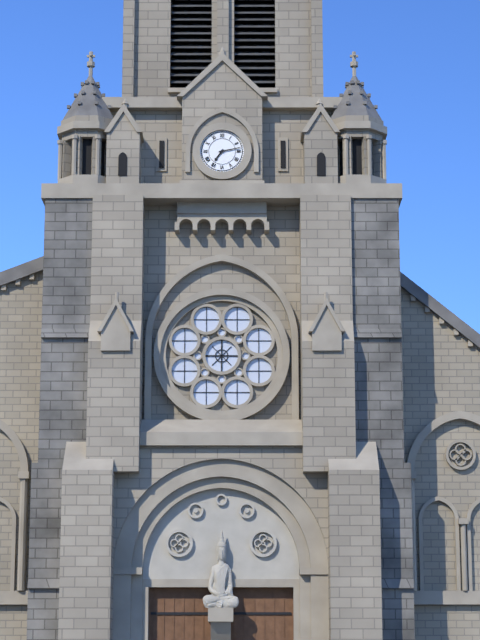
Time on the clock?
7:13
